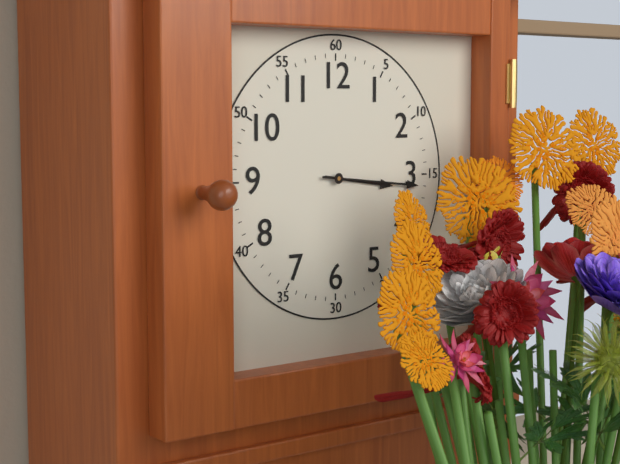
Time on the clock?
3:16
